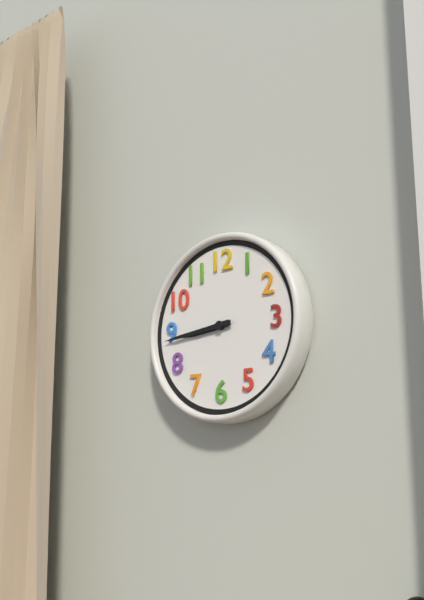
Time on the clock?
8:44
